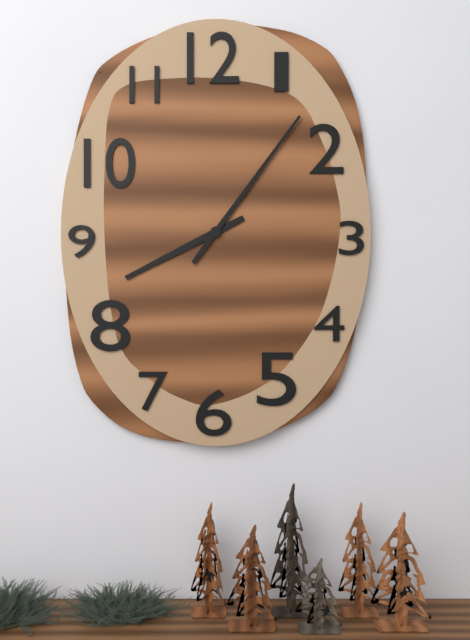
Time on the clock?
8:06
